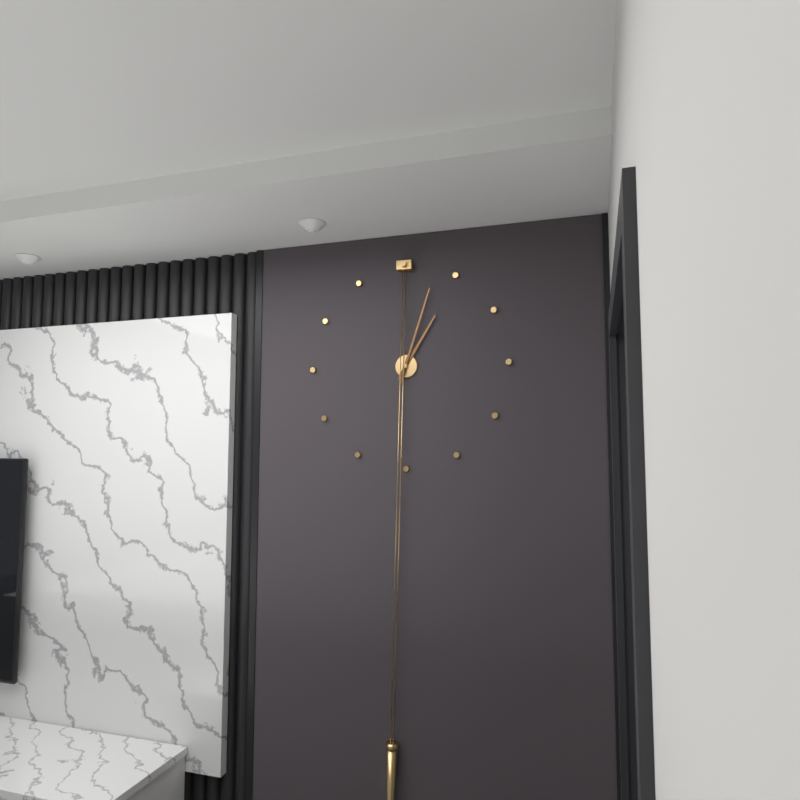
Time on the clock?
1:03
